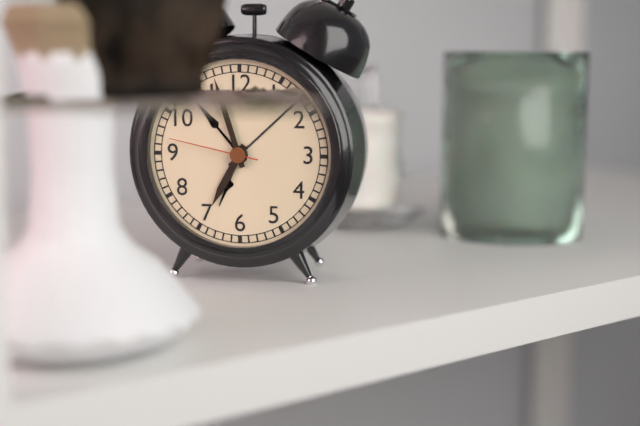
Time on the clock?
6:57:47
